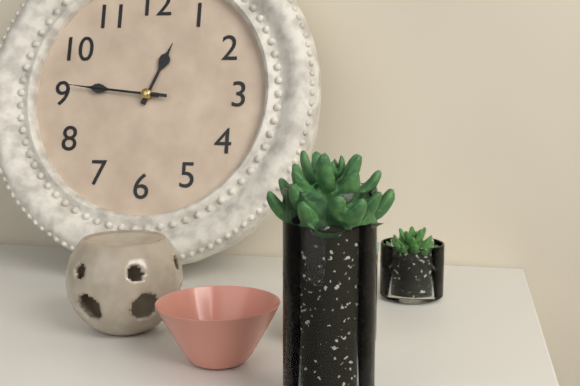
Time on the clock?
12:46:46
